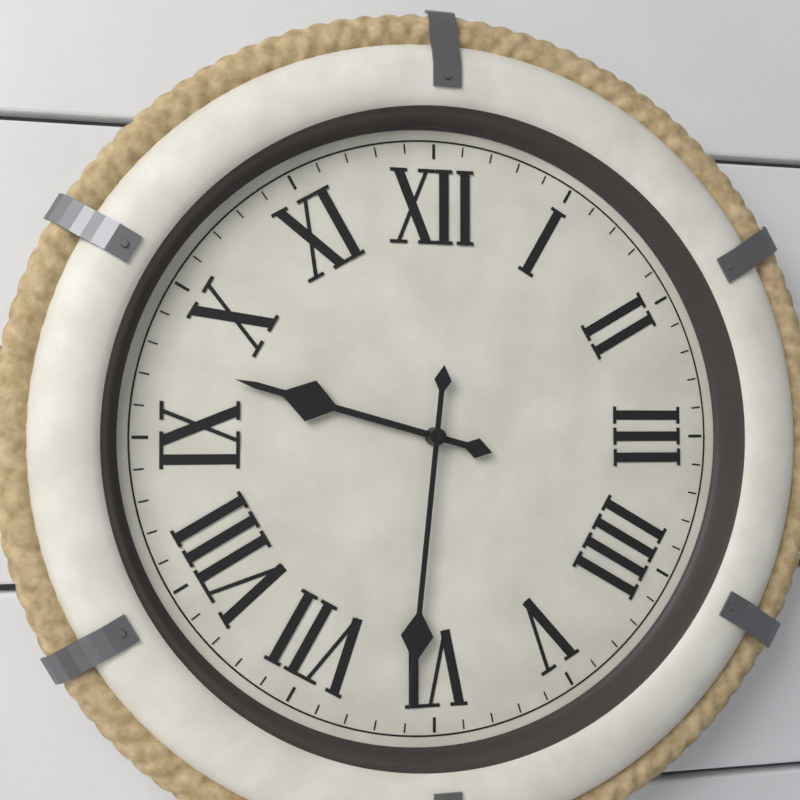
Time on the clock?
9:31
